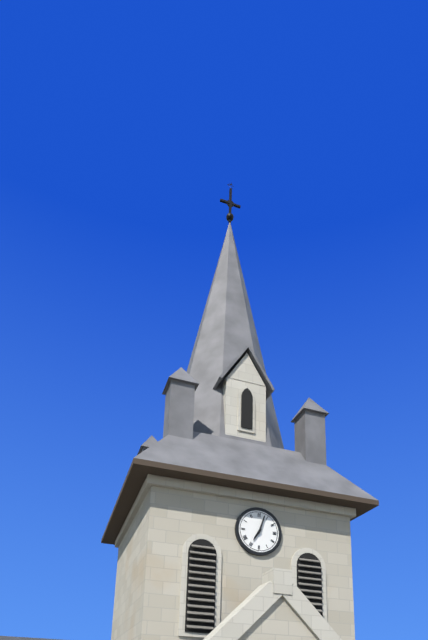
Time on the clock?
7:03
